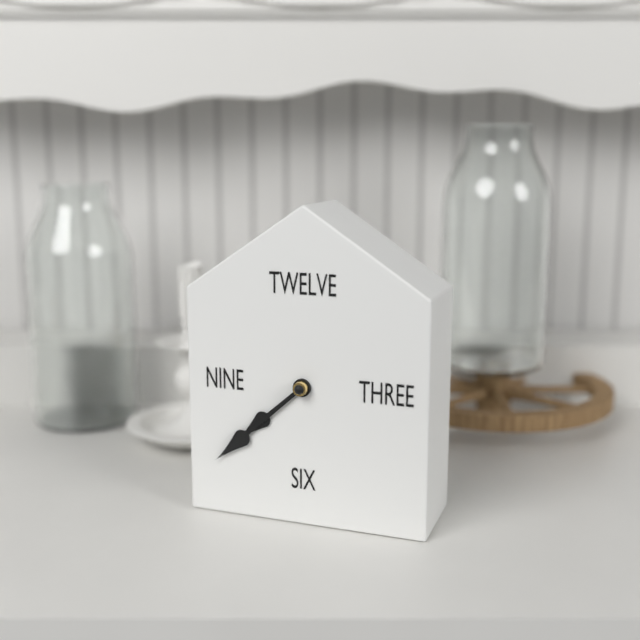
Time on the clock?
7:38
